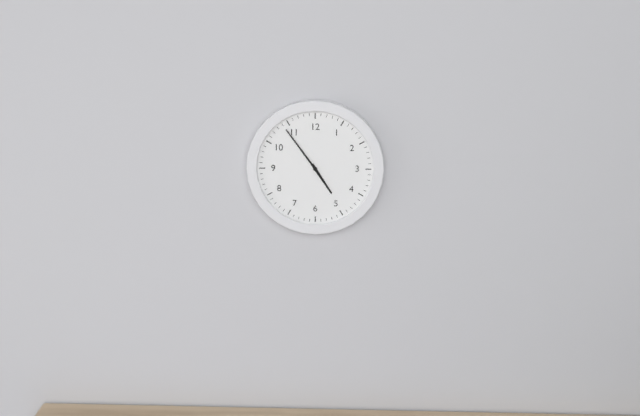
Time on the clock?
4:54
